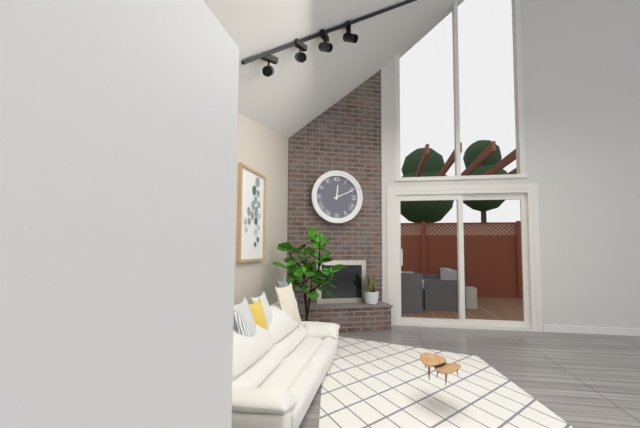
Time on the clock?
12:11
